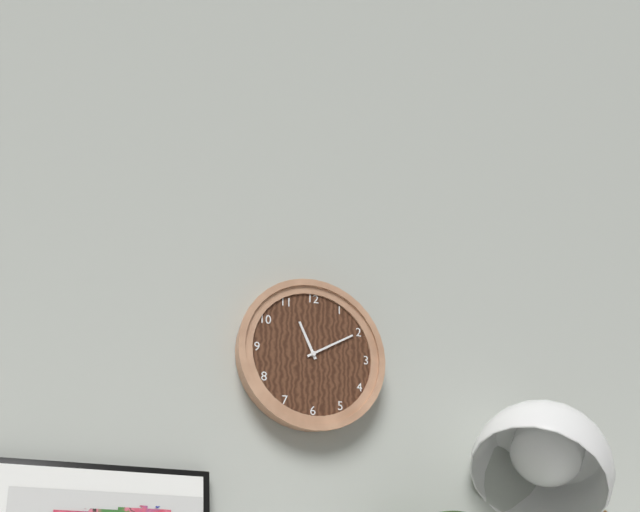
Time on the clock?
11:10
